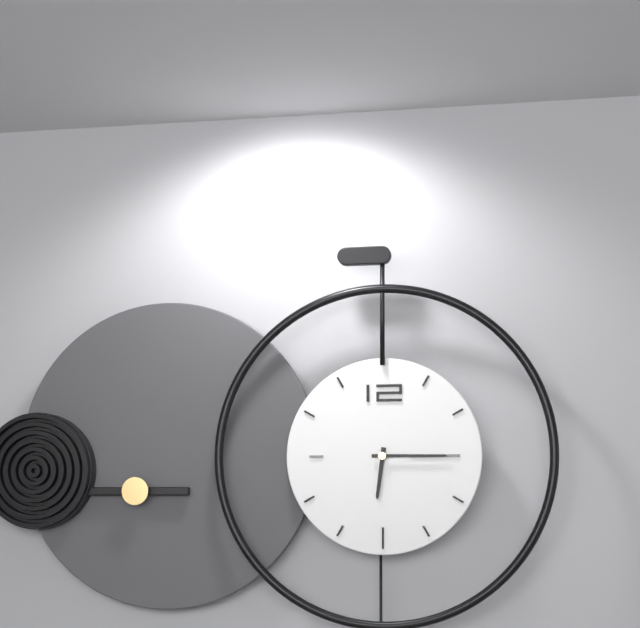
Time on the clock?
6:15
